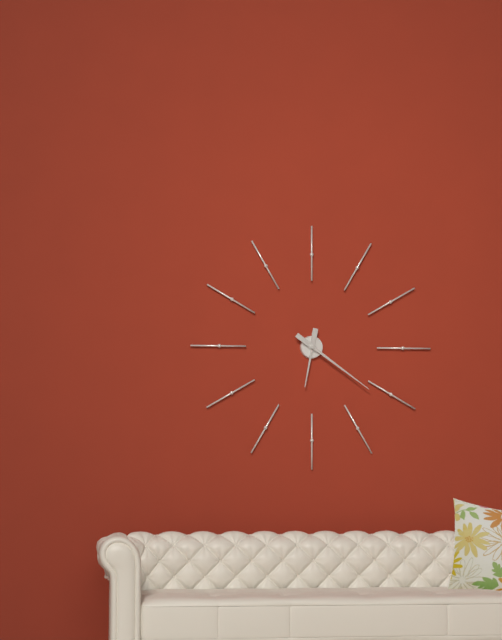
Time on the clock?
6:21
